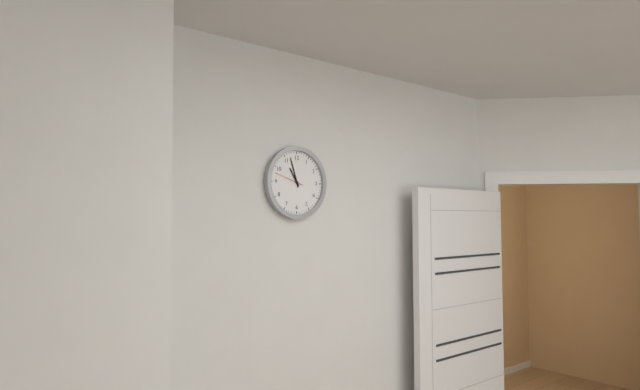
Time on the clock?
10:57
